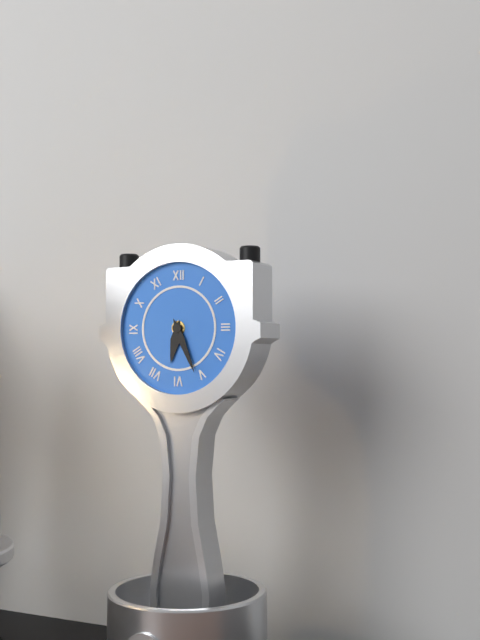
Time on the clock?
6:26
